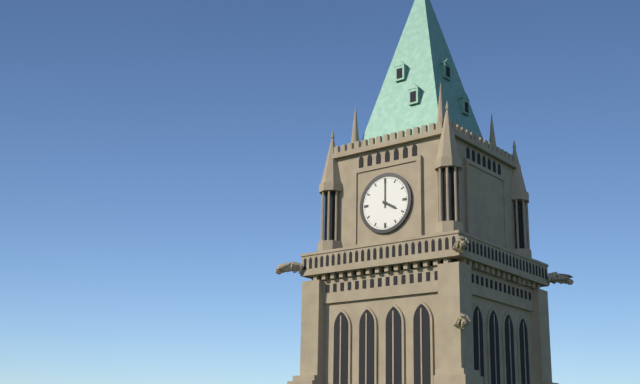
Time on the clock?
4:00
